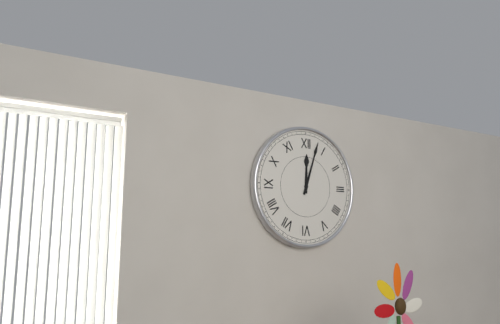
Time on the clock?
12:03
